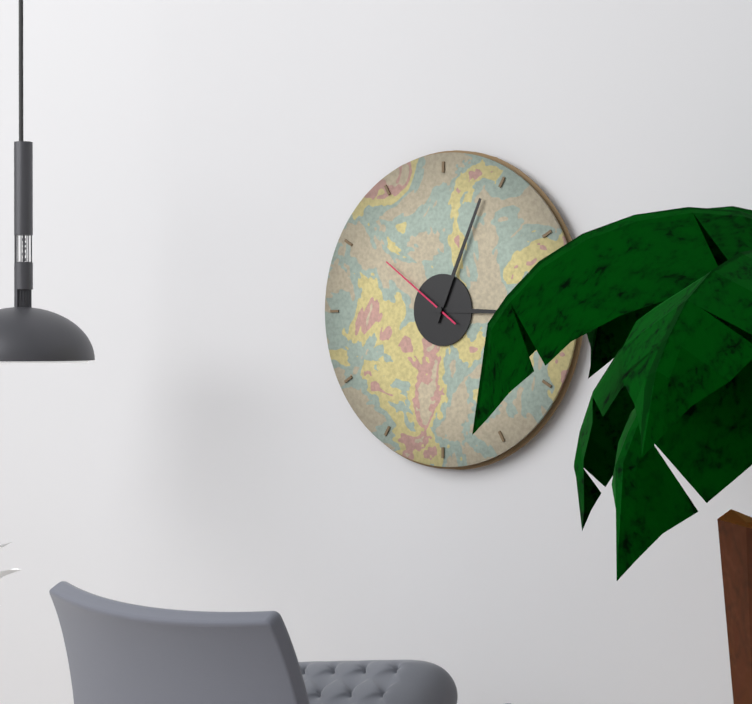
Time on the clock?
3:04:51
